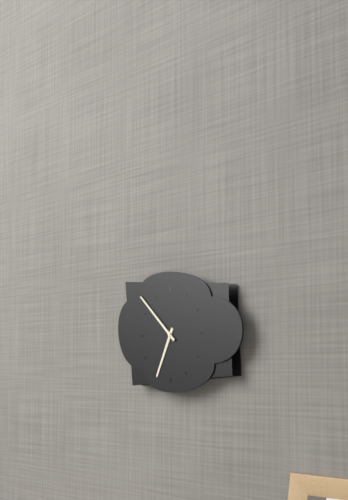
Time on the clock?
6:52
